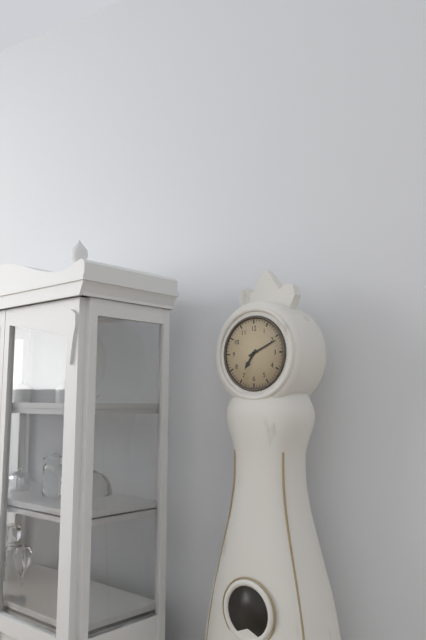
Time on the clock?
7:11
